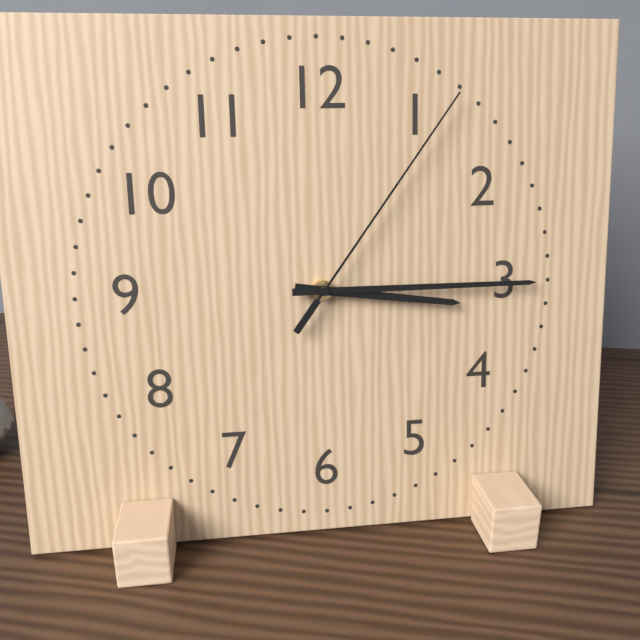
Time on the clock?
3:15:06
